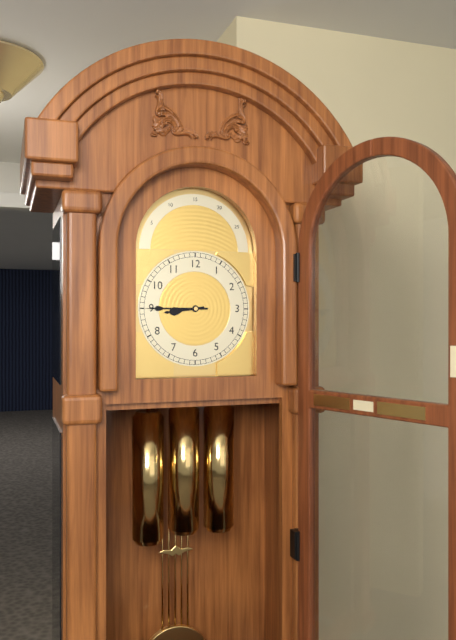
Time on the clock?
8:45
